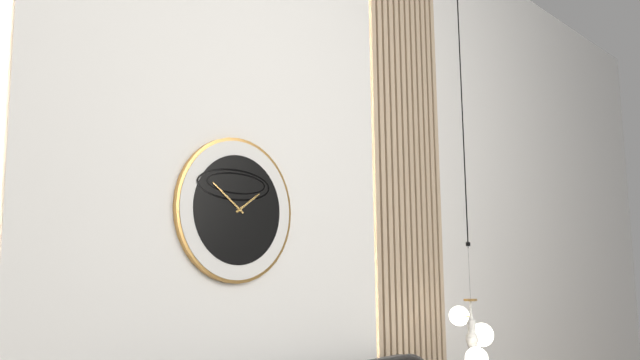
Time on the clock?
1:51
